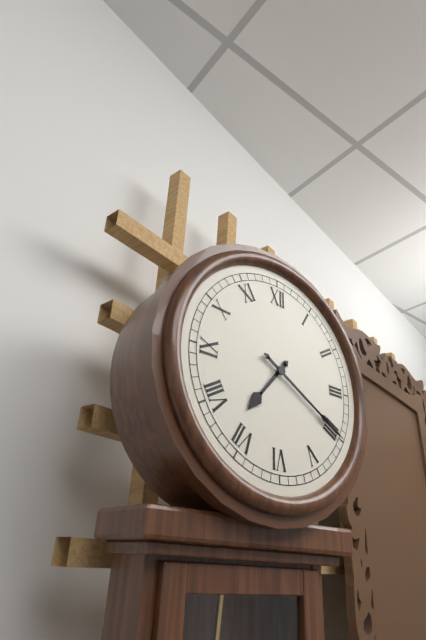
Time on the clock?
7:20
